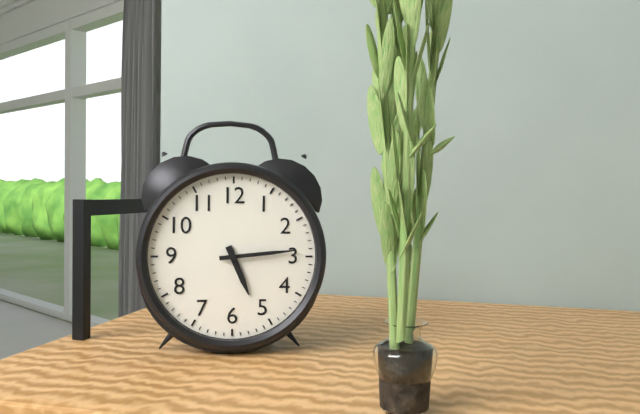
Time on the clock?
5:14
